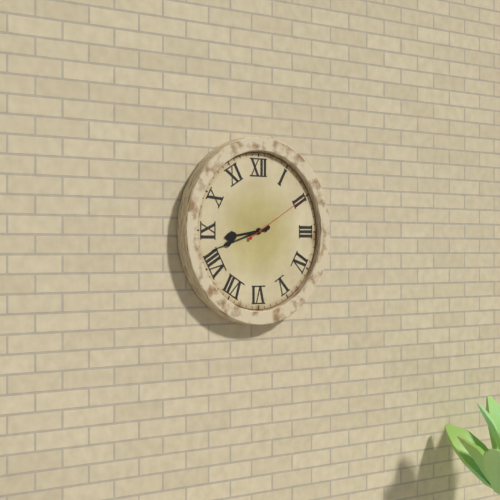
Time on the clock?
8:42:10
